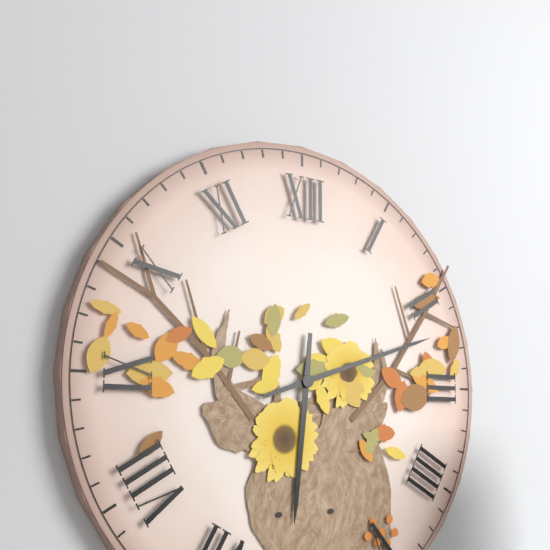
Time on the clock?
6:12
